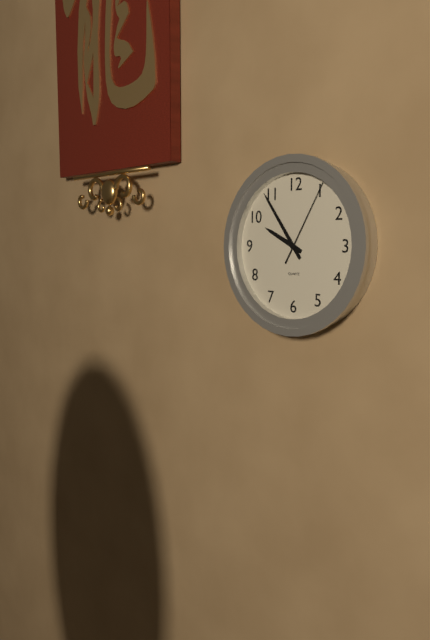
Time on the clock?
9:54:05
